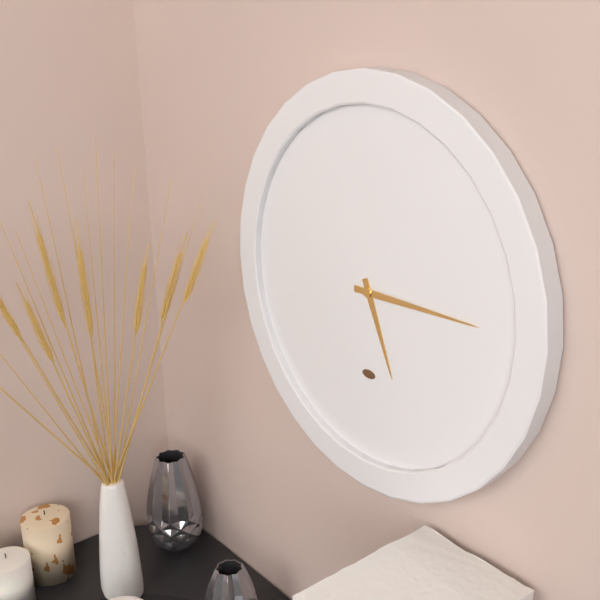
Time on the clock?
5:15
